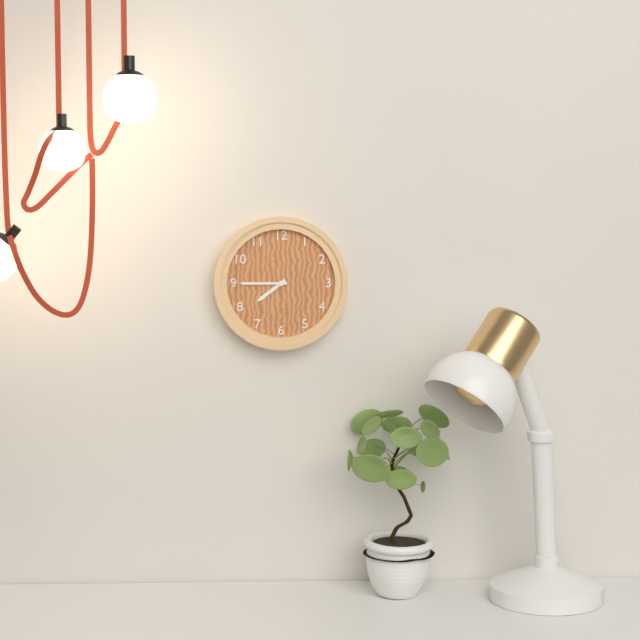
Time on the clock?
7:45
